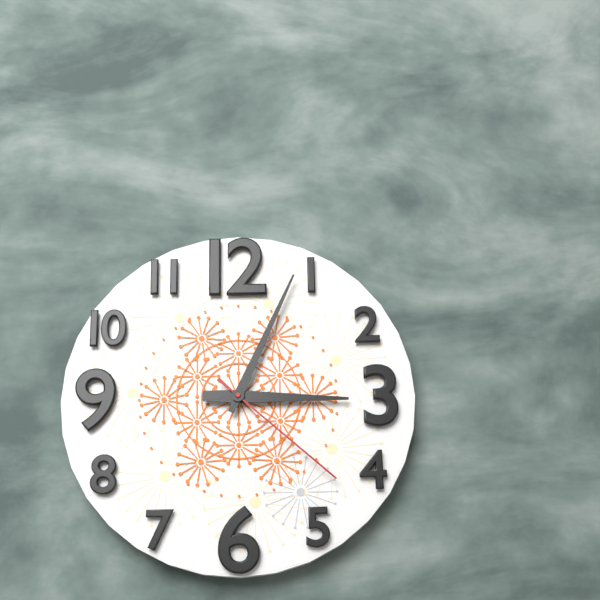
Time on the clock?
3:04:22
